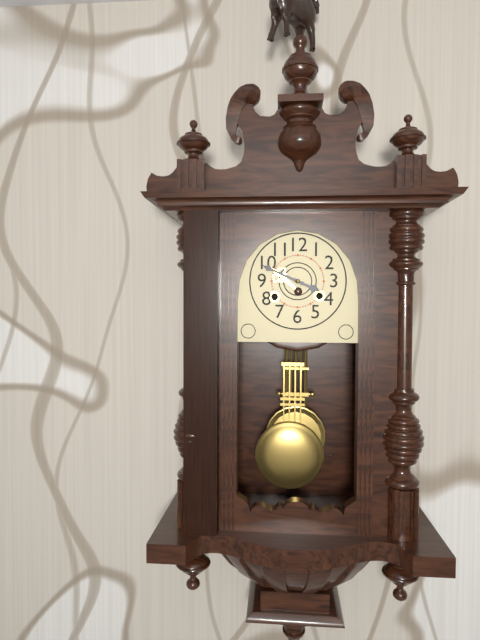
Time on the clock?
3:49
